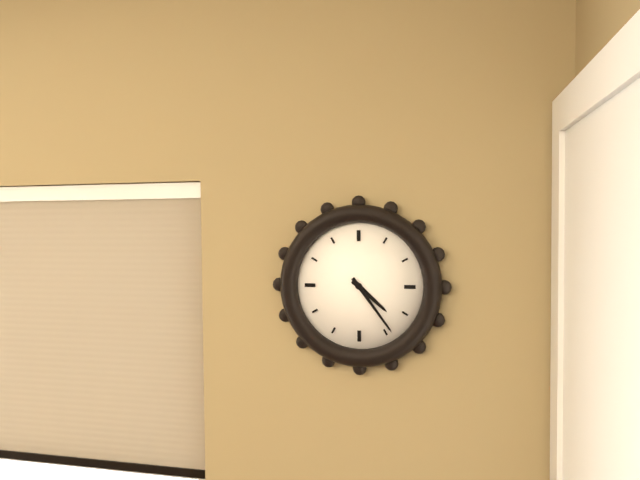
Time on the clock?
4:24
